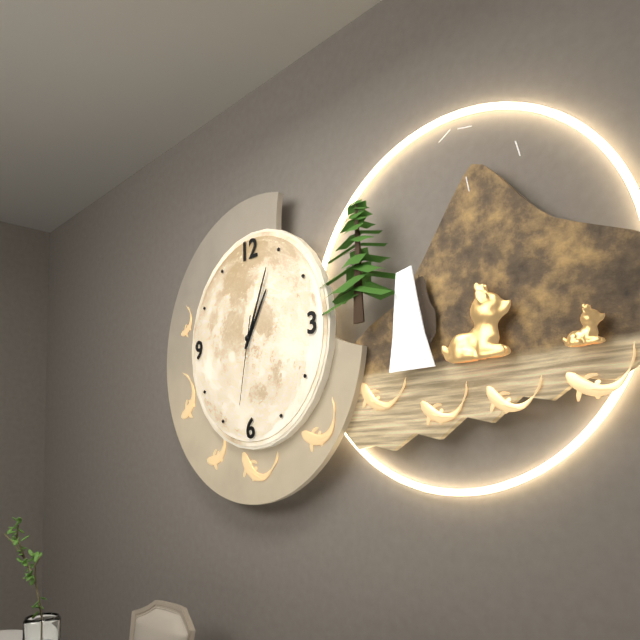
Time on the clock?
1:04:32
